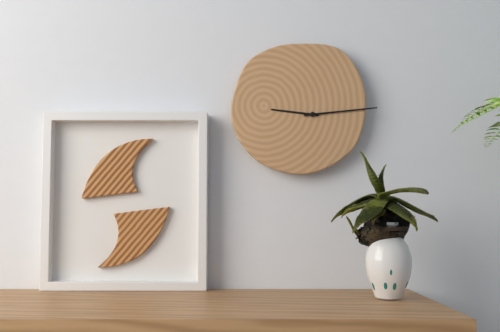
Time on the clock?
9:14
